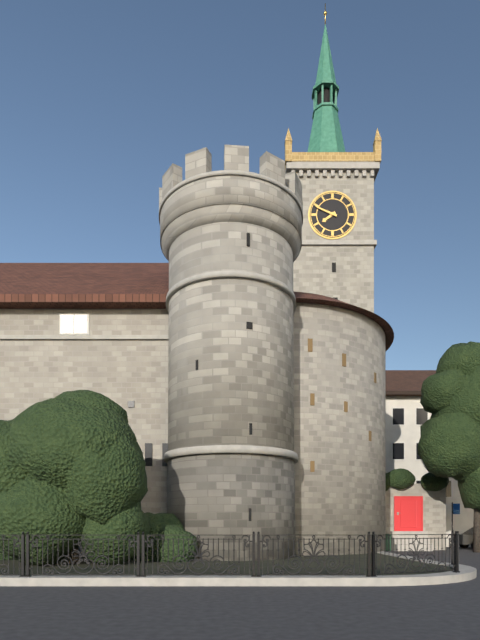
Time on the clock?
7:49
